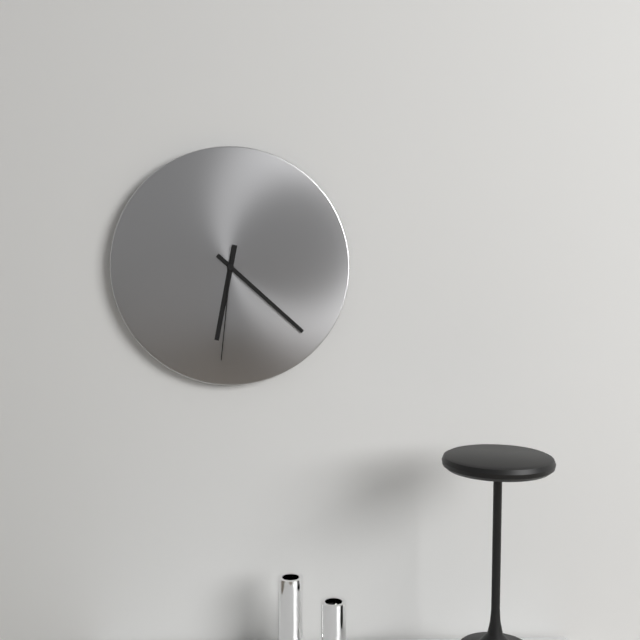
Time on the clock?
6:22:31
